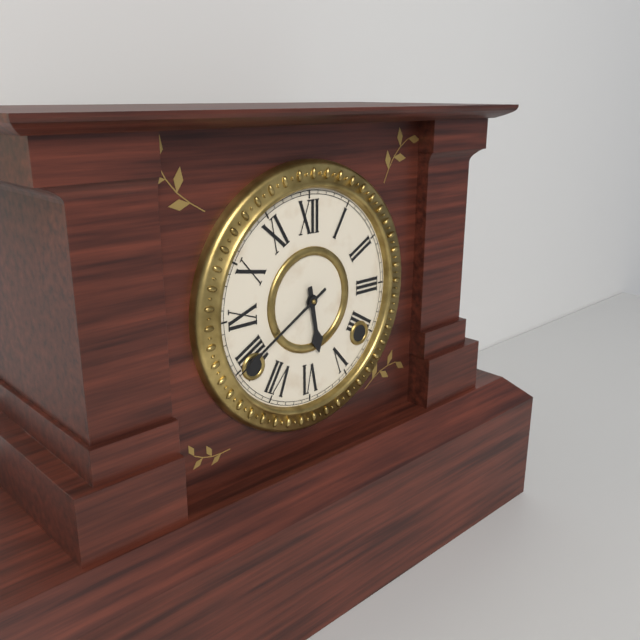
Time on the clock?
5:40
